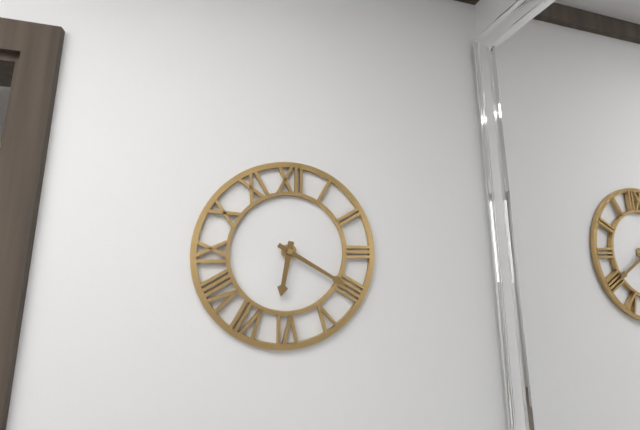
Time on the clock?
6:20
